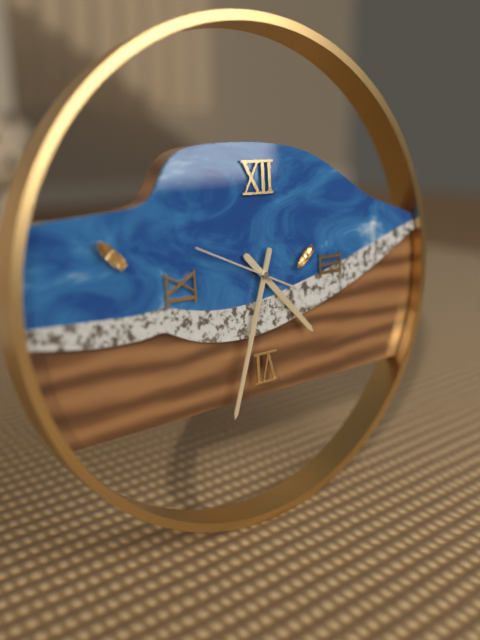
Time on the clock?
4:33:49
